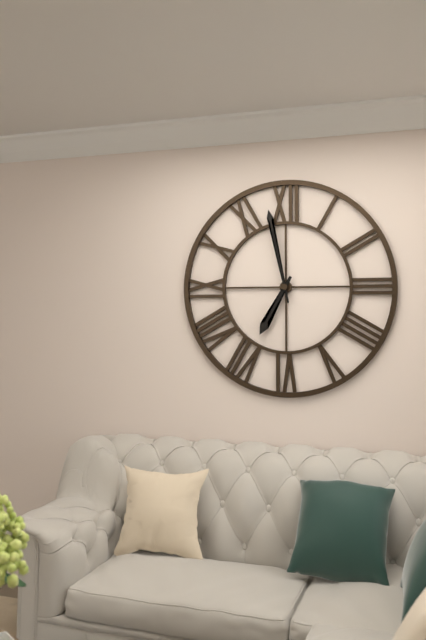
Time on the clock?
6:58
